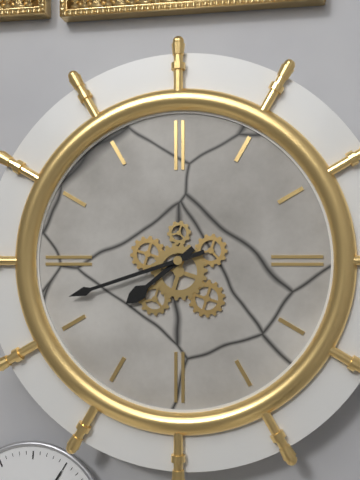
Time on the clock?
7:42
